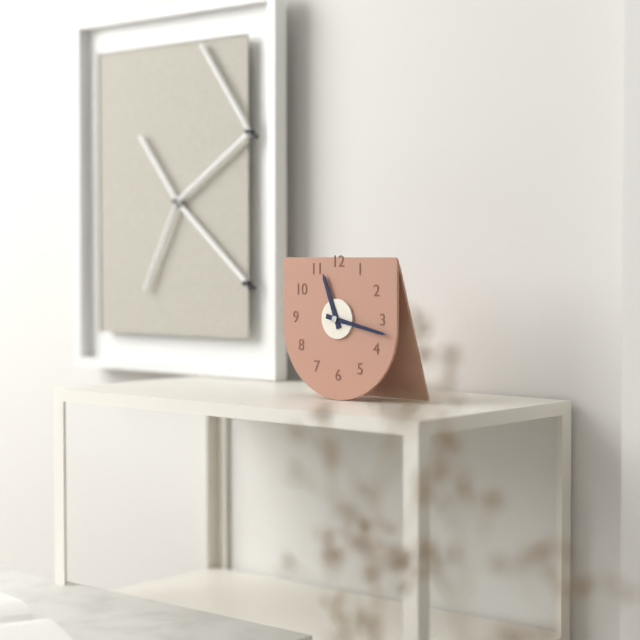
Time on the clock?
11:17
